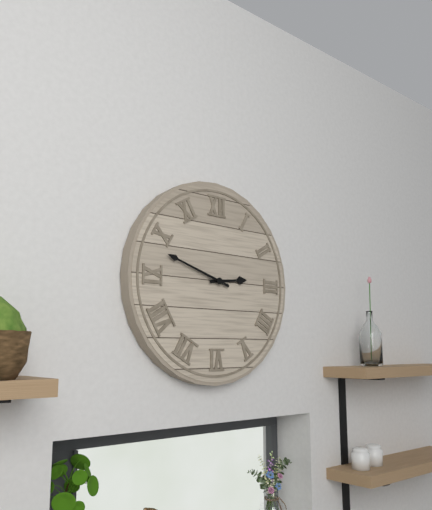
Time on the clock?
2:48
